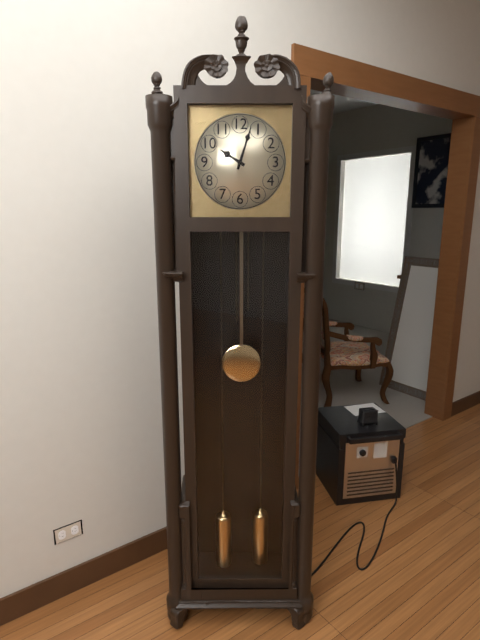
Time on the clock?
10:03
